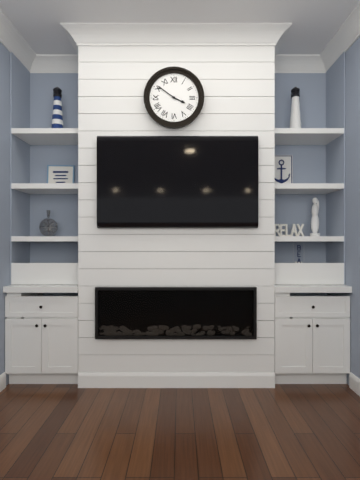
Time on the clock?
3:51
